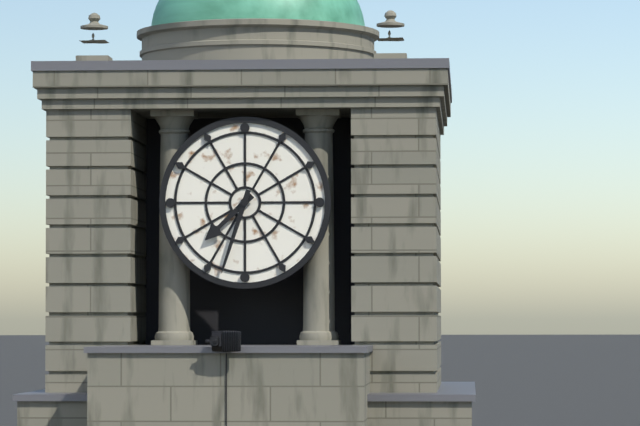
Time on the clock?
7:33
